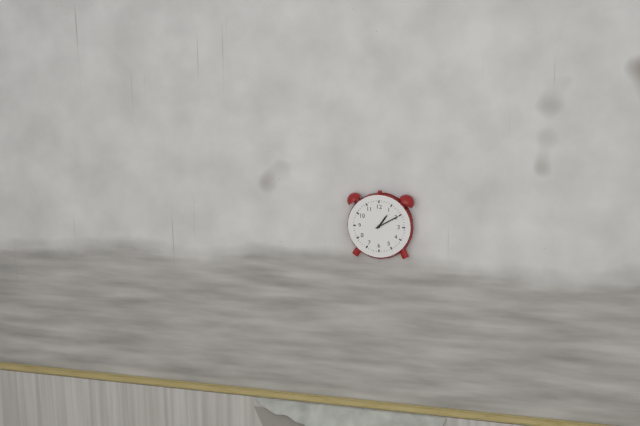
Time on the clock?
1:10
